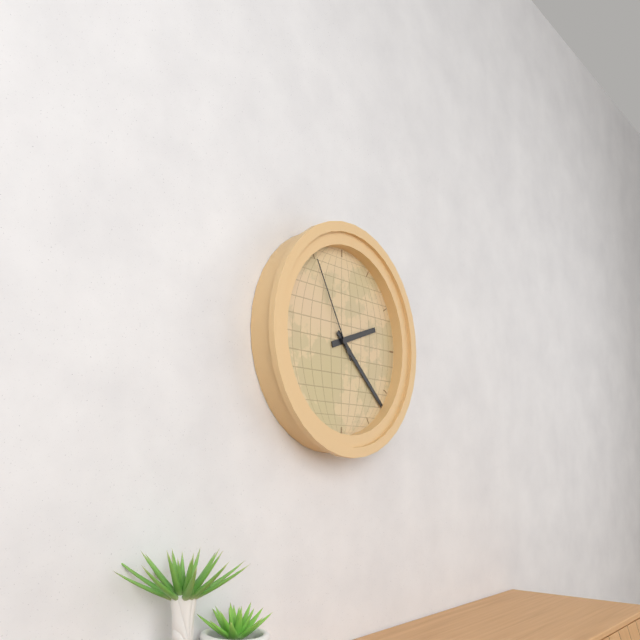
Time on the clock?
2:22:55
